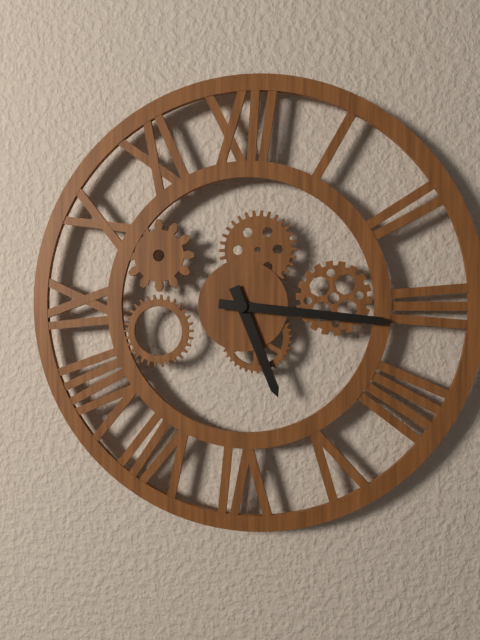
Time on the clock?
5:16
